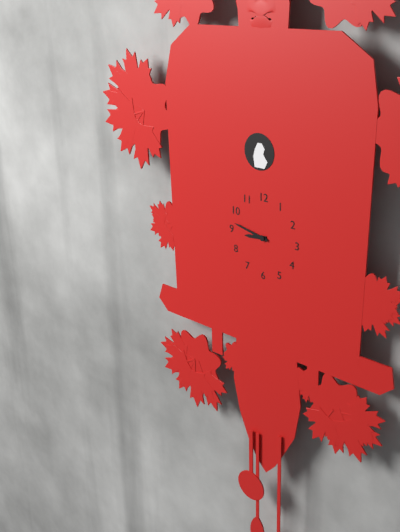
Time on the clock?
8:47
